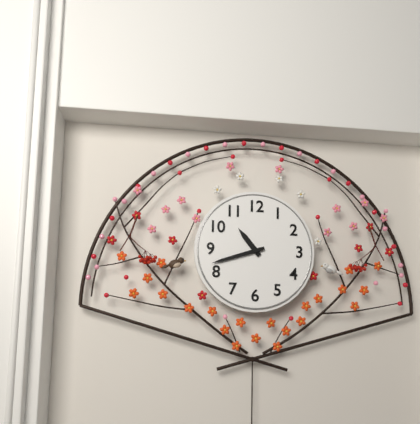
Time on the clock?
10:42
